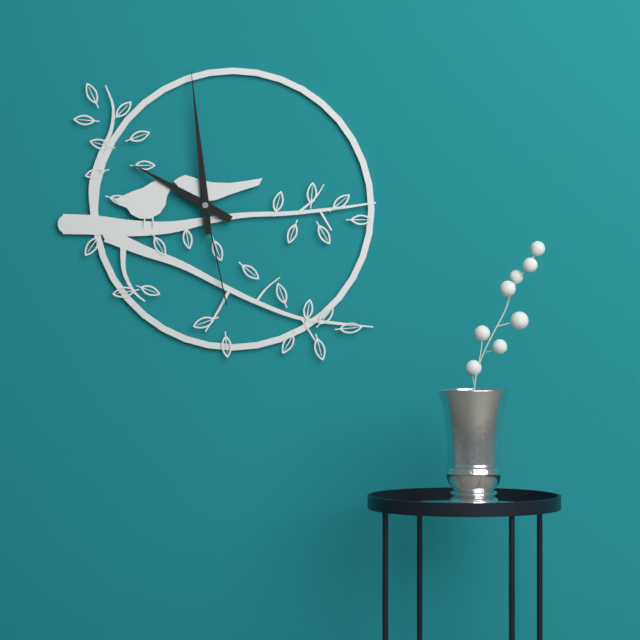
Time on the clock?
9:59:28
